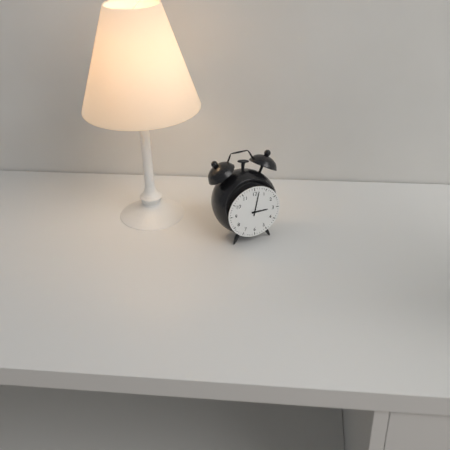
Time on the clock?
3:02
